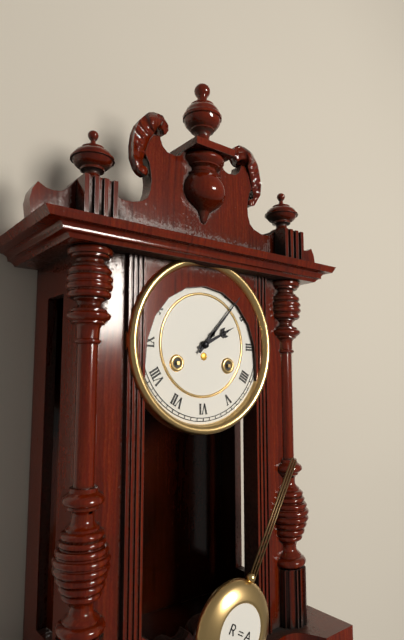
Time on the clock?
2:07
